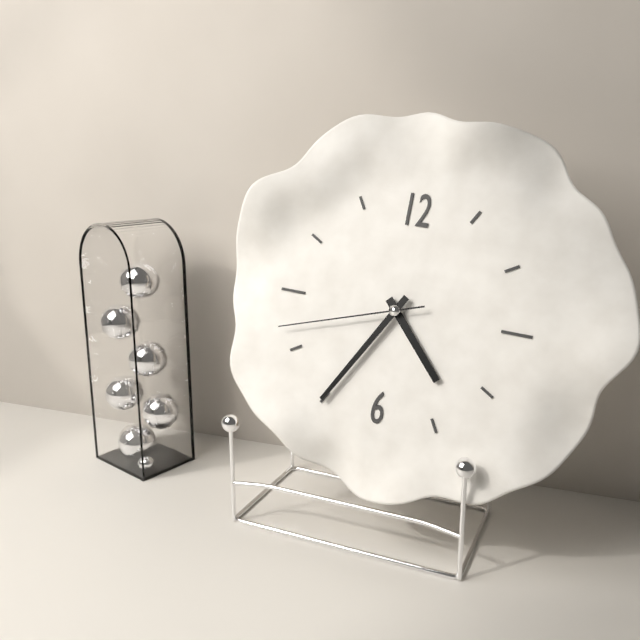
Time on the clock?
4:35:42
